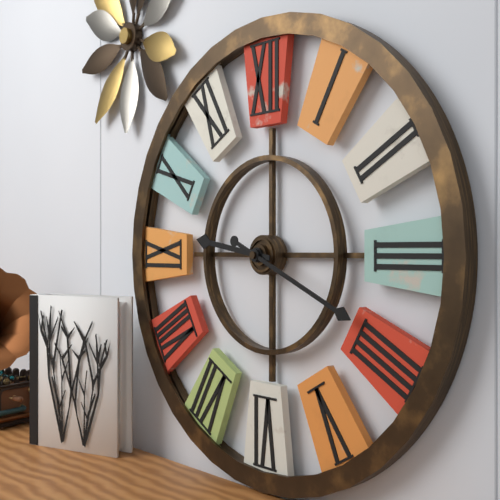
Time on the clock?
9:19
